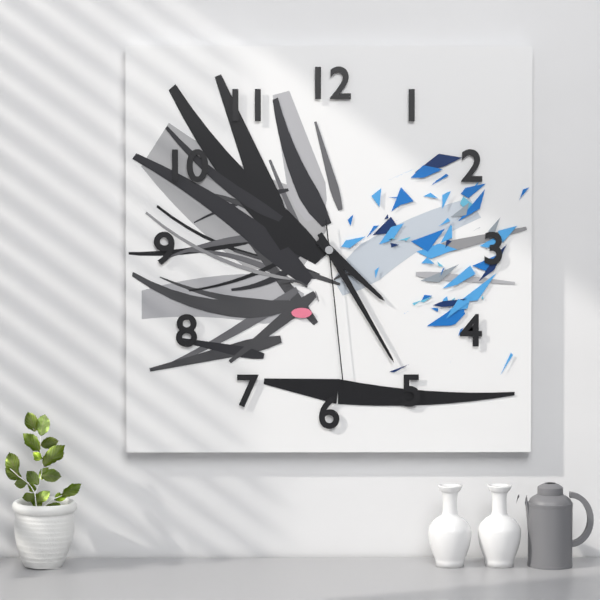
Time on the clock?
4:25:29
